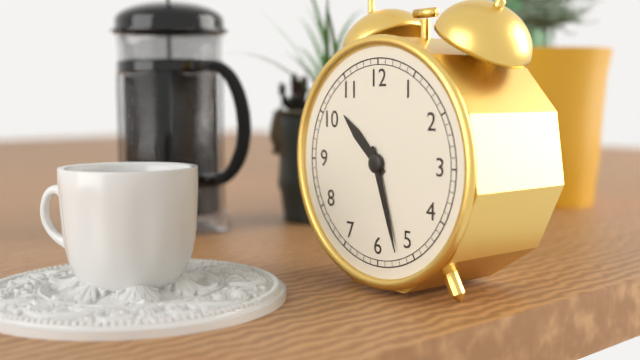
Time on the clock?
10:27
